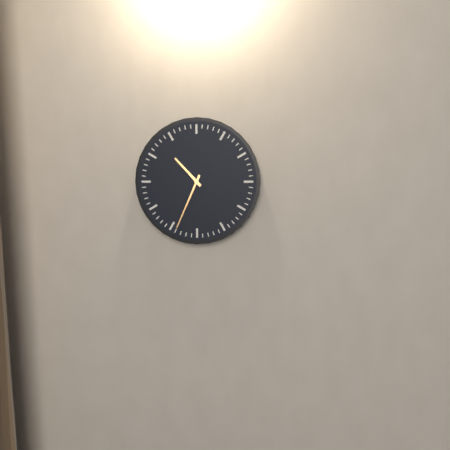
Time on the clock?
10:34
